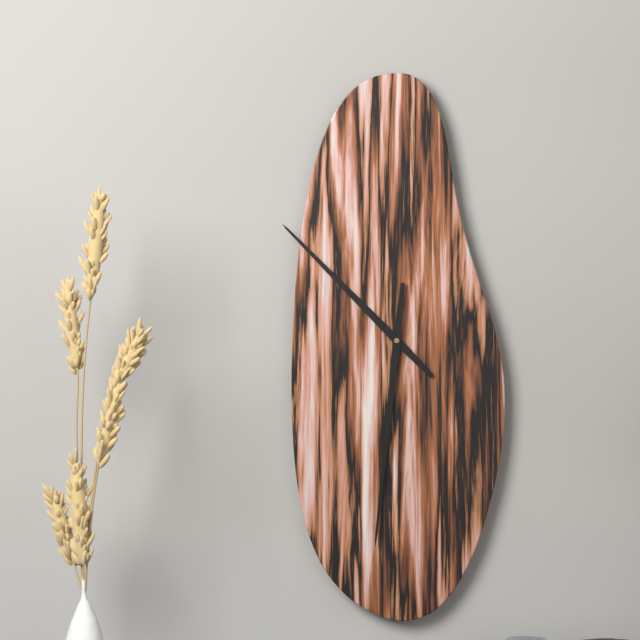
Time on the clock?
10:31
